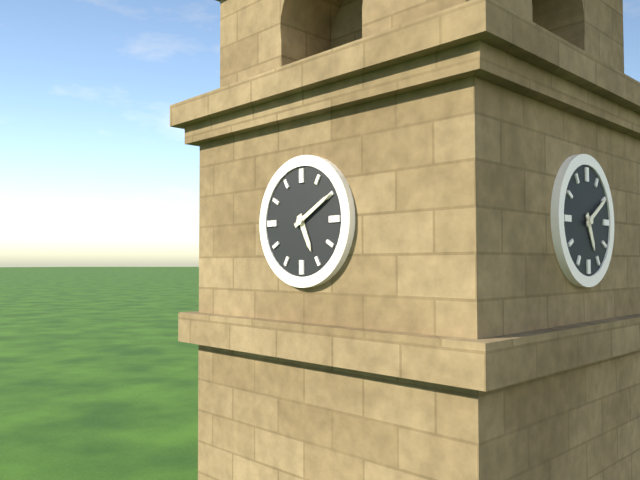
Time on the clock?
5:10
